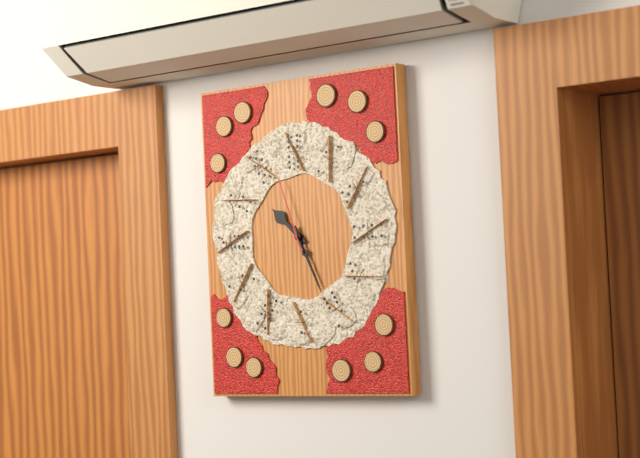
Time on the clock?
10:26:57
